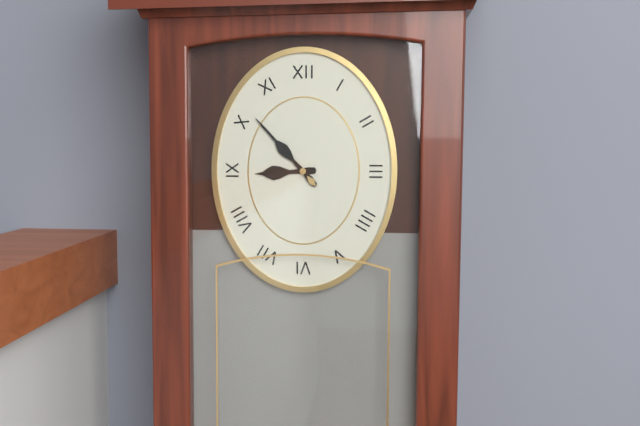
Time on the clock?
8:53
